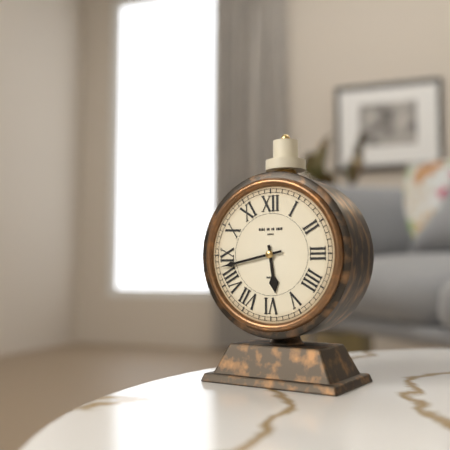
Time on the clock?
5:43
